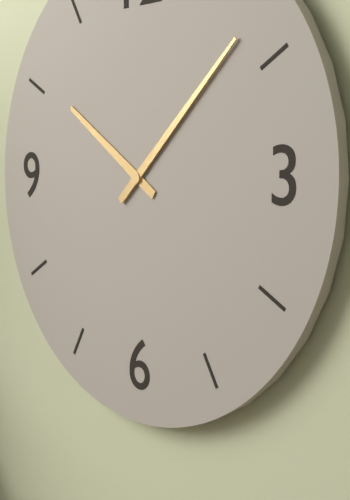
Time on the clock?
10:08
